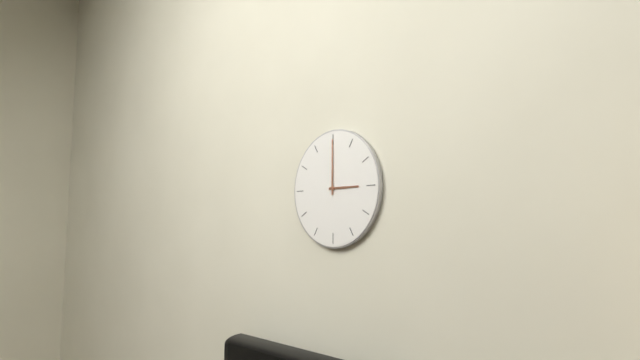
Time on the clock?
3:00
